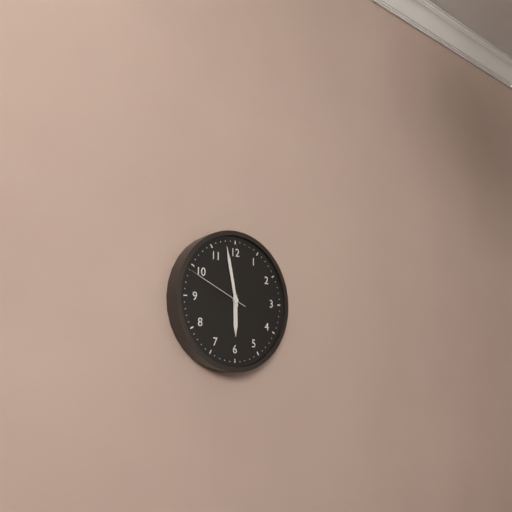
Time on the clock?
5:58:49
